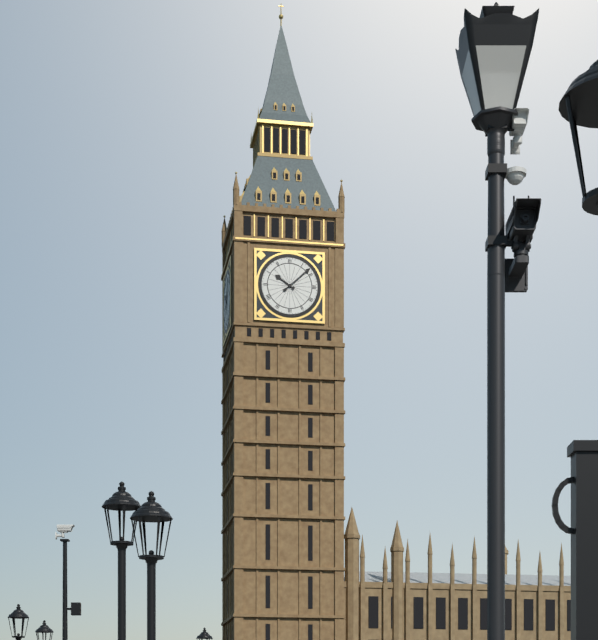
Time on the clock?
10:08
